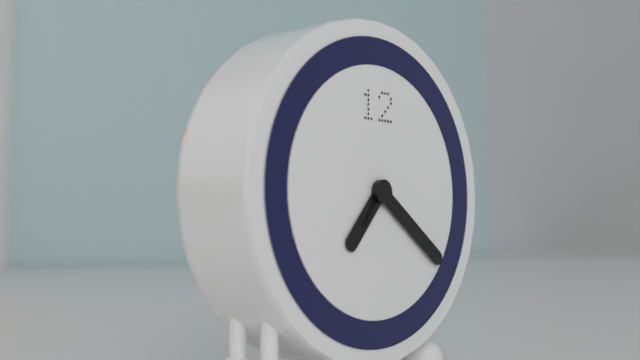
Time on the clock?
7:21:36
